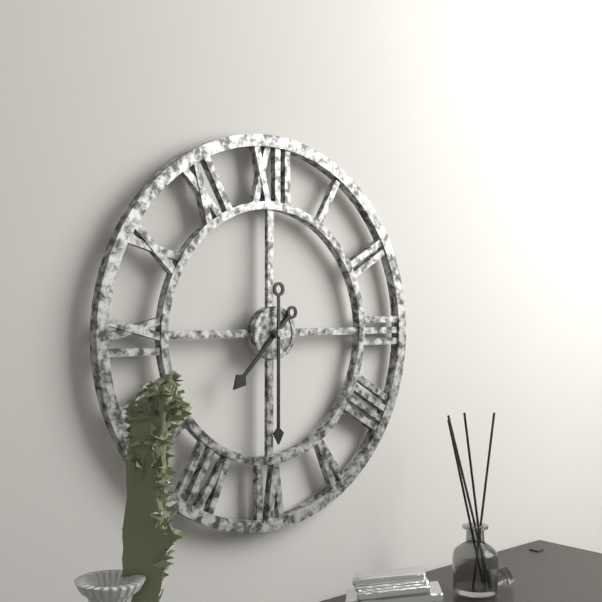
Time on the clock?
7:30
